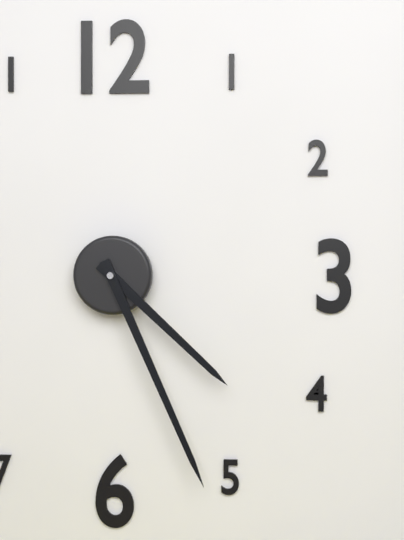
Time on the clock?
4:26
